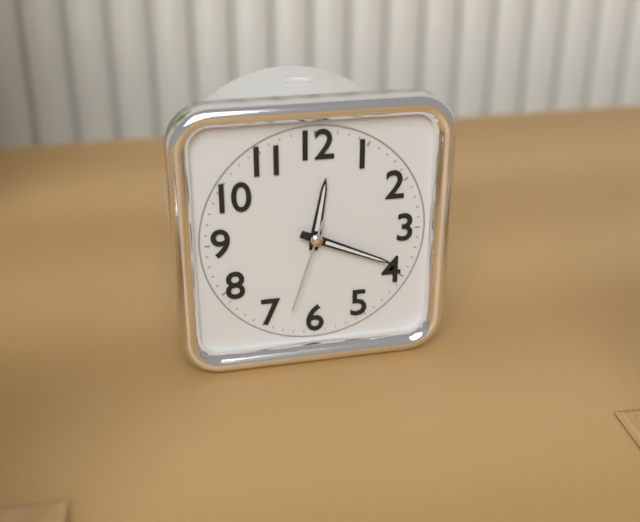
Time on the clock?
12:19:33
